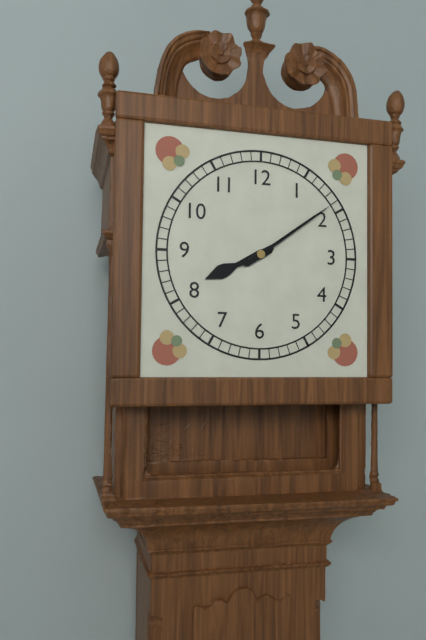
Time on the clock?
8:09
